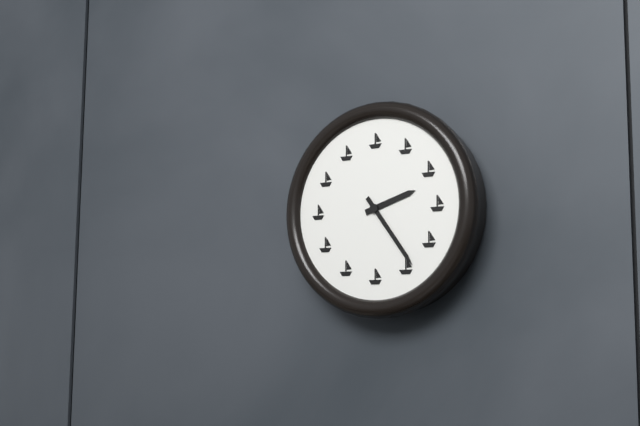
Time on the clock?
2:24
